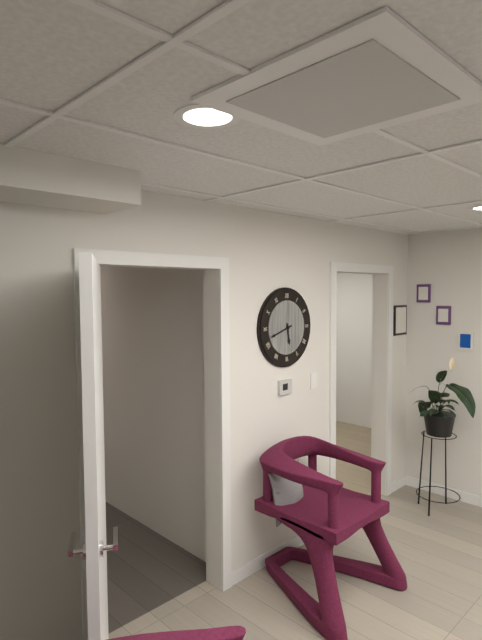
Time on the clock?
5:42
